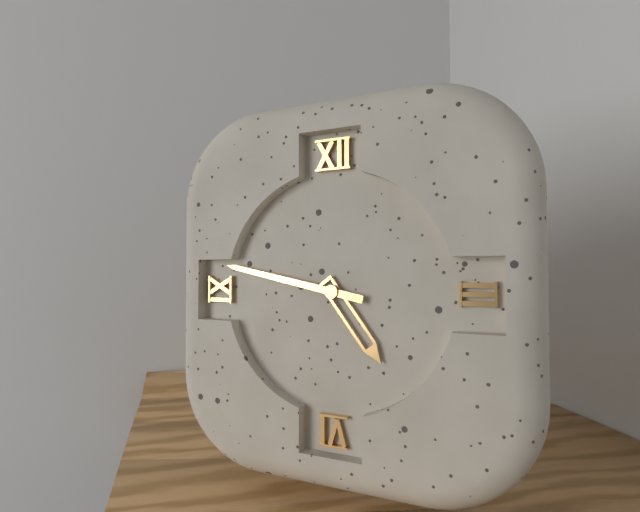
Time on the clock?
4:47
